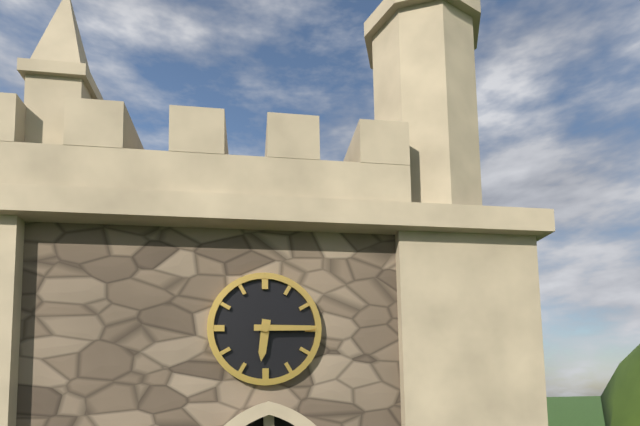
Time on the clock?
6:15
